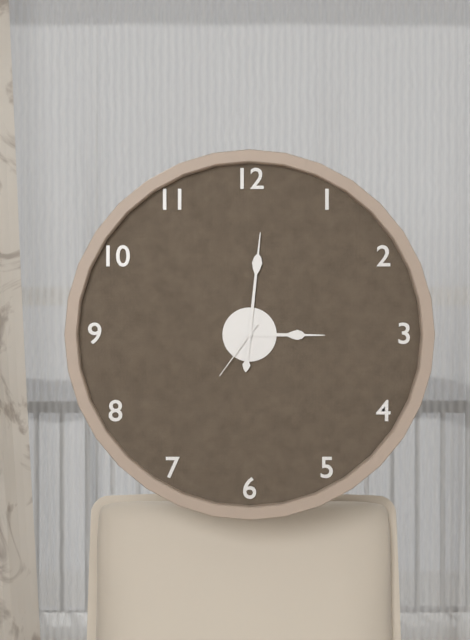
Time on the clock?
3:01:36
